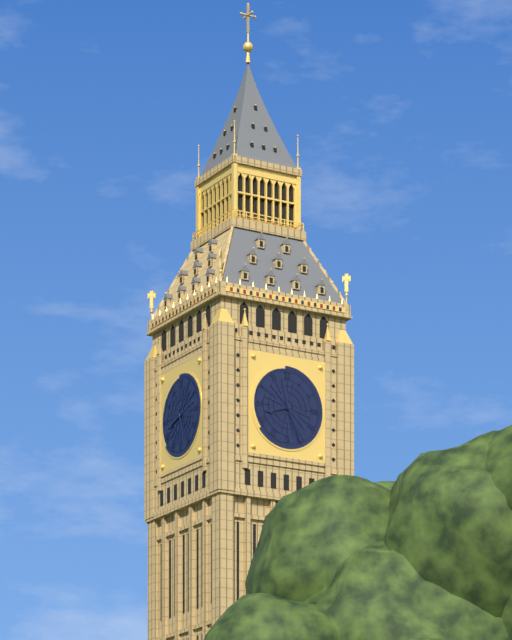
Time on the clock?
8:26
